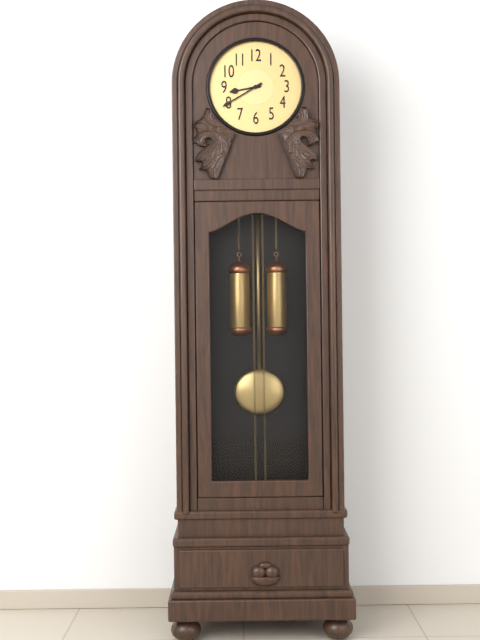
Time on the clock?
8:40
